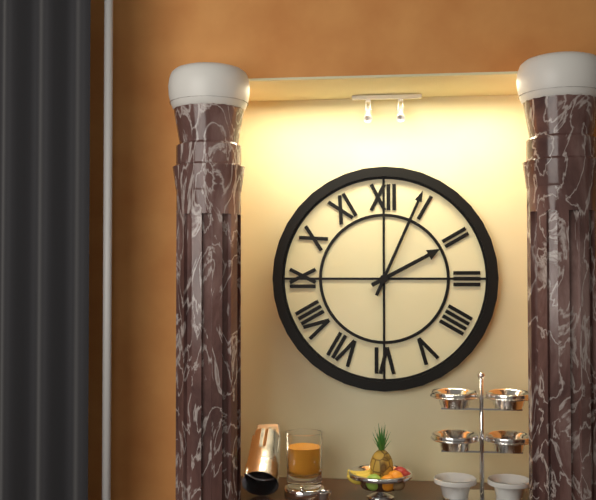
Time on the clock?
2:04
